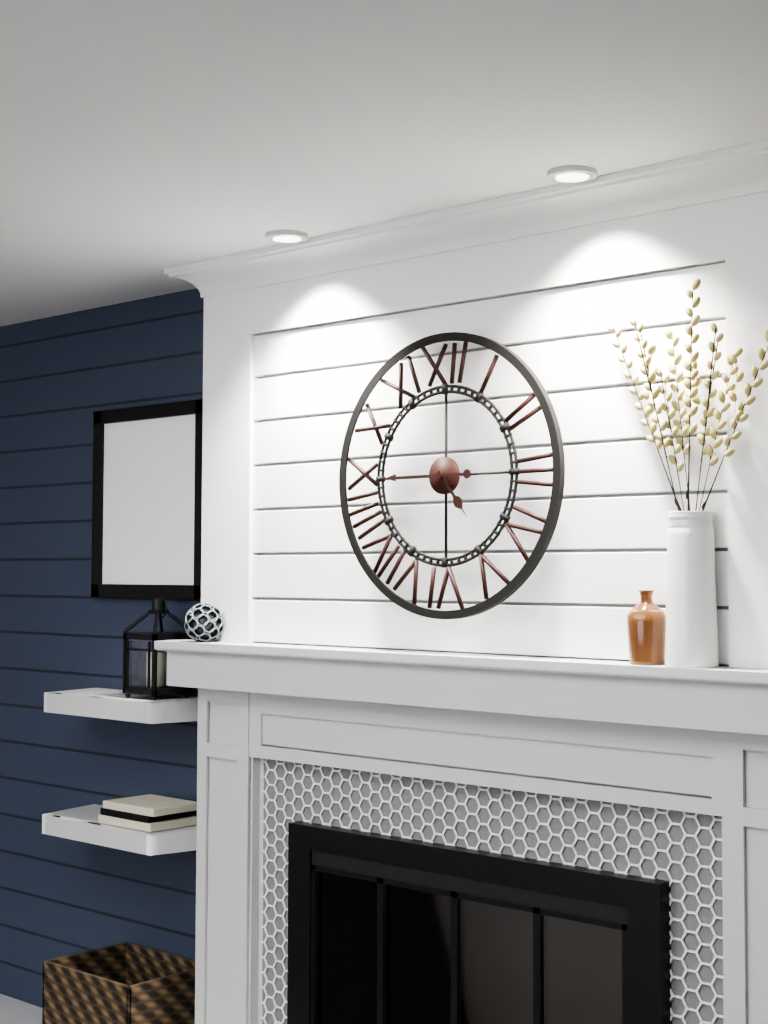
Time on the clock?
4:45
